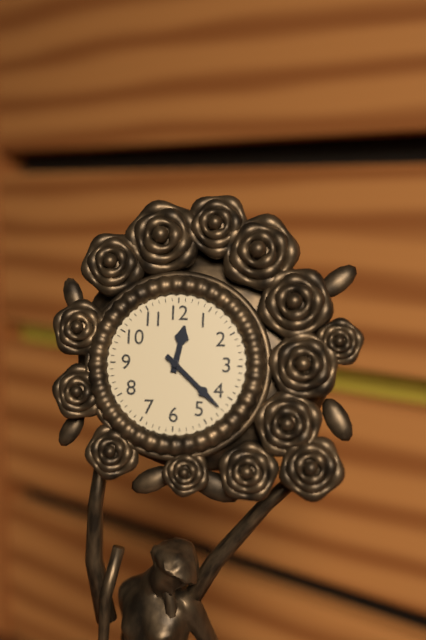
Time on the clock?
12:22
